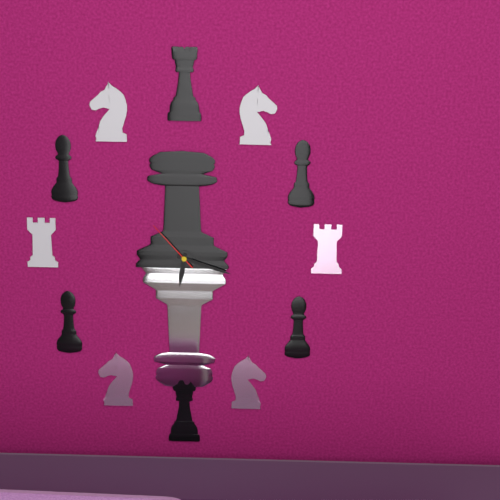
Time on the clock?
6:18:53
